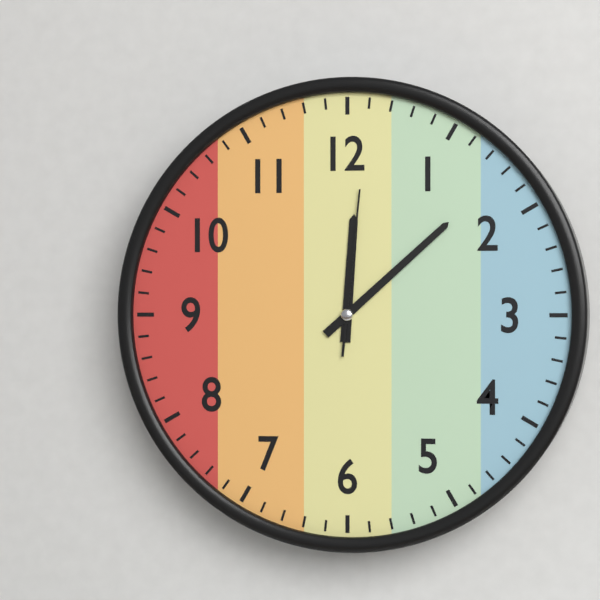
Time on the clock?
12:08:01
